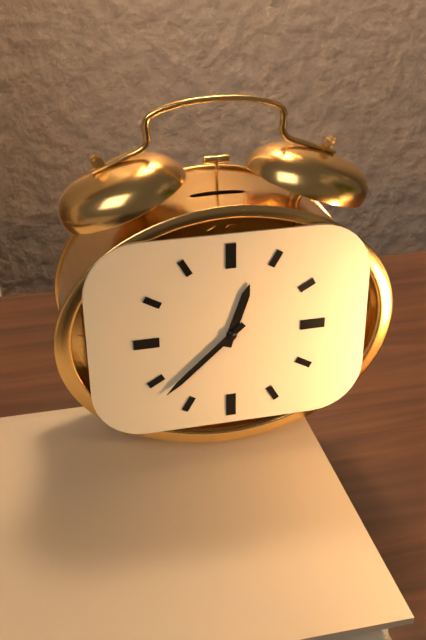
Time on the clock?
12:38
